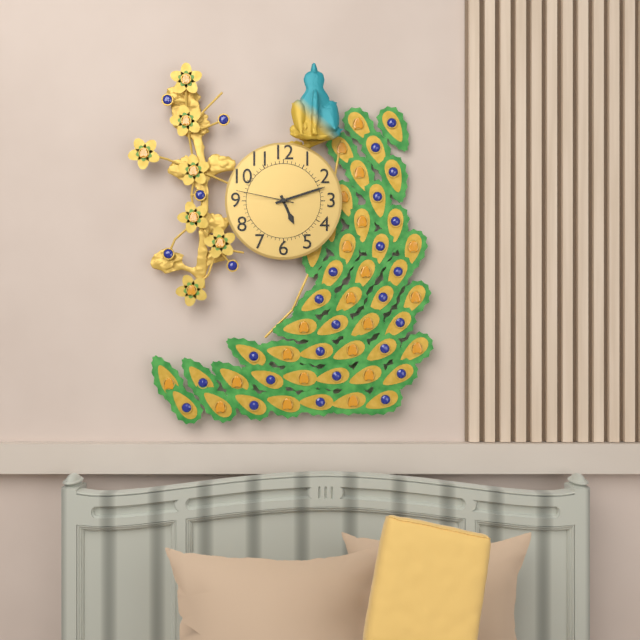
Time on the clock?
5:12:47
